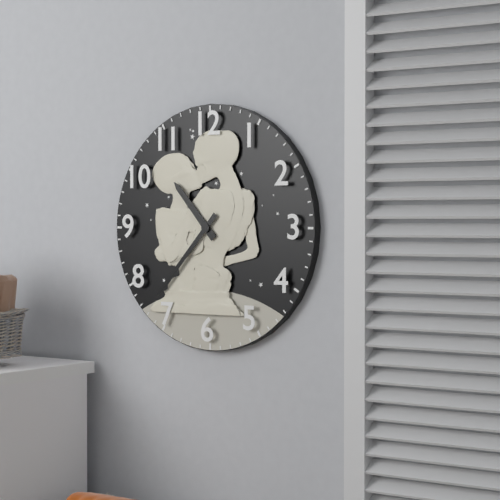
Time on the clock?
10:37
